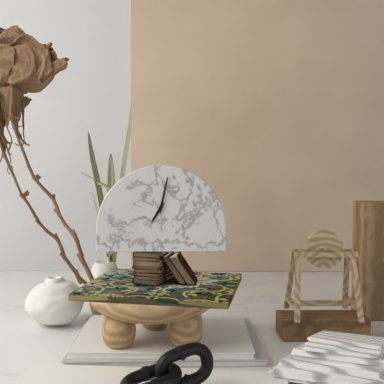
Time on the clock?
7:02
